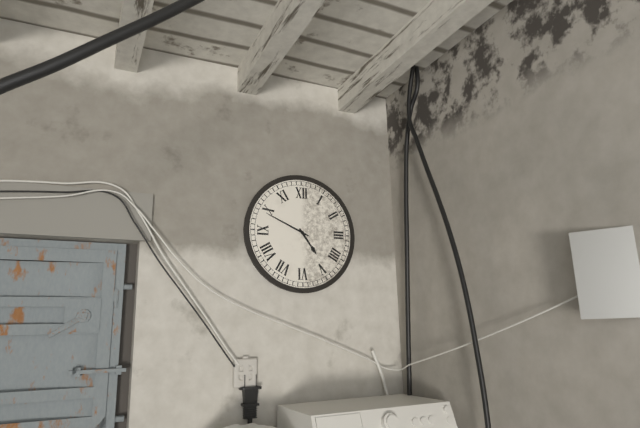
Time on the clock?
4:49
